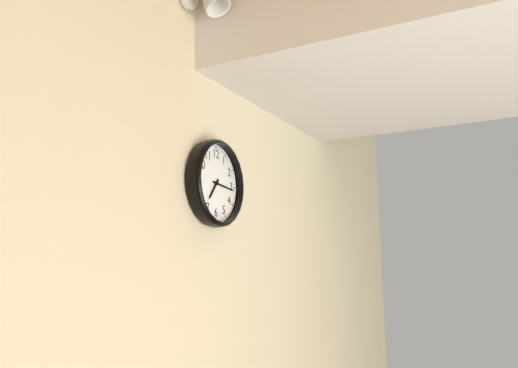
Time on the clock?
7:16
